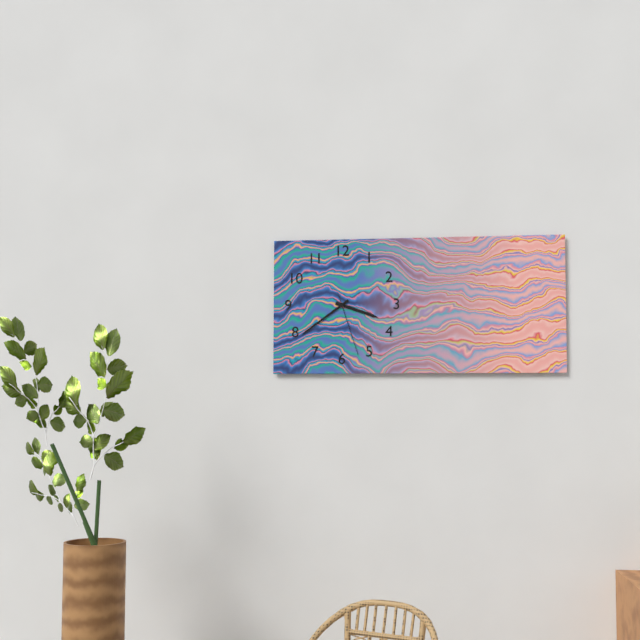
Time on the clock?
3:39:27
